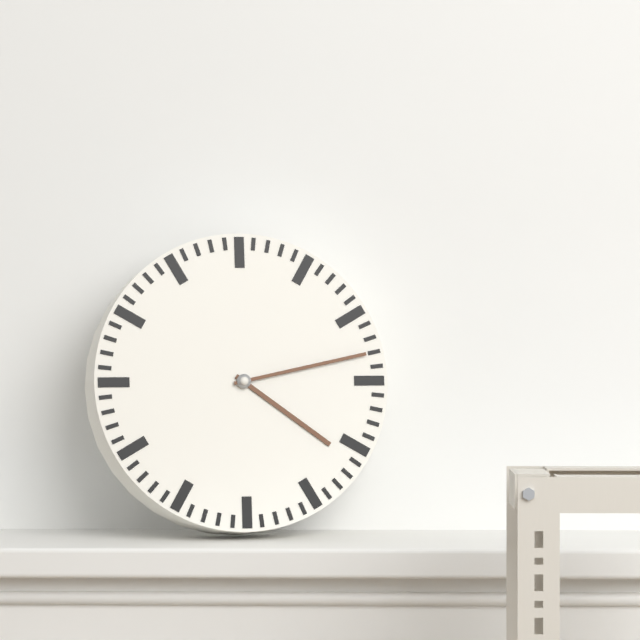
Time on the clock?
4:13
